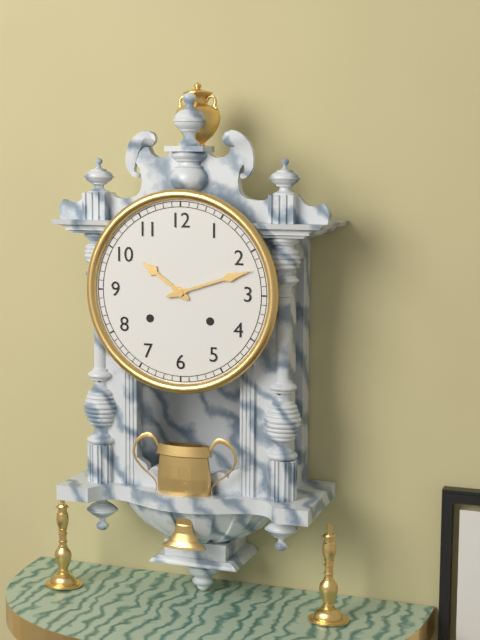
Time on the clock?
10:12
